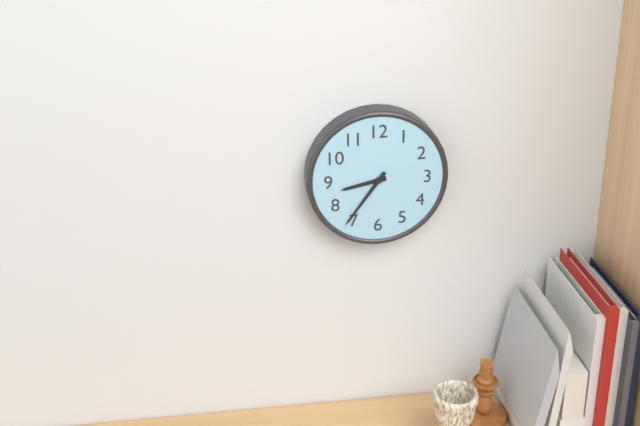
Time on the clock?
8:36
